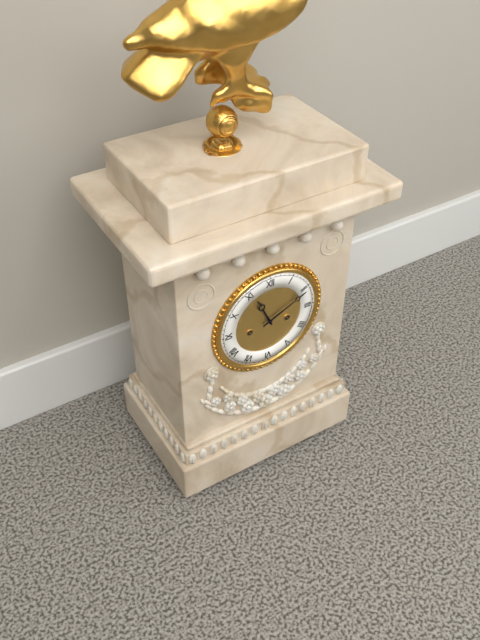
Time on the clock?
11:11
